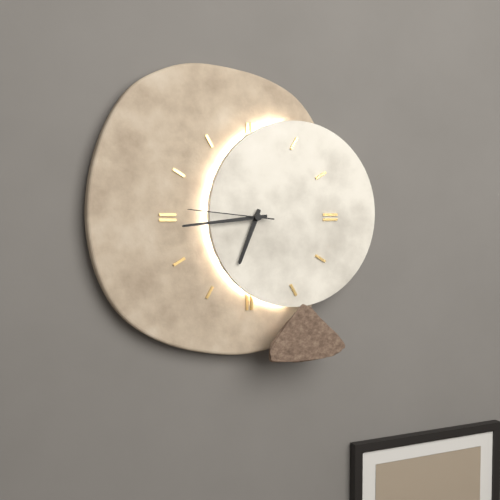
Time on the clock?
6:44:46
